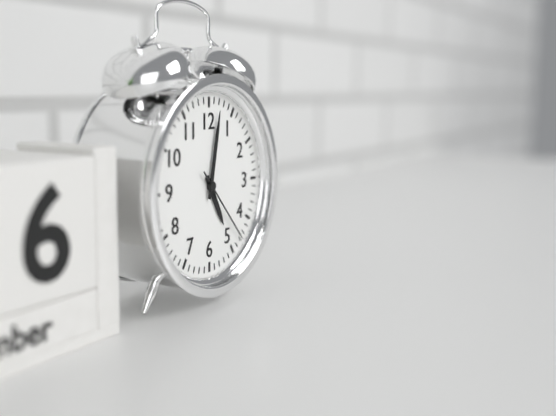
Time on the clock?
5:02:23
